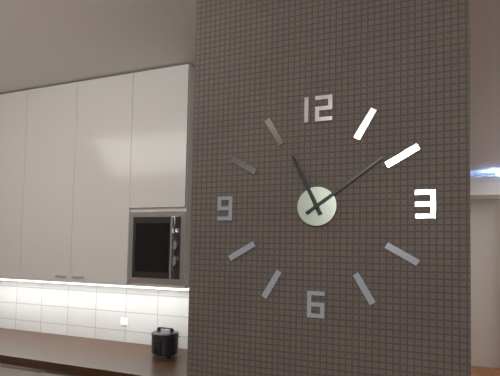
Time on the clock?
11:09
